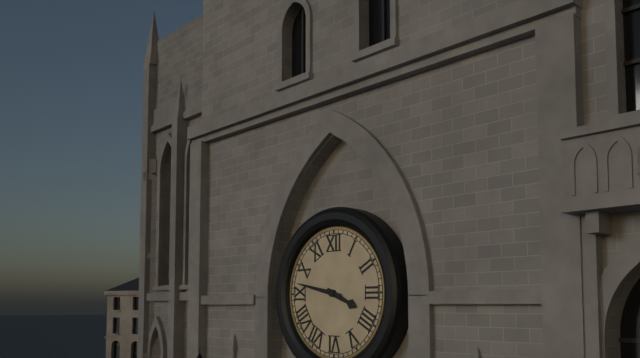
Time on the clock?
3:47
